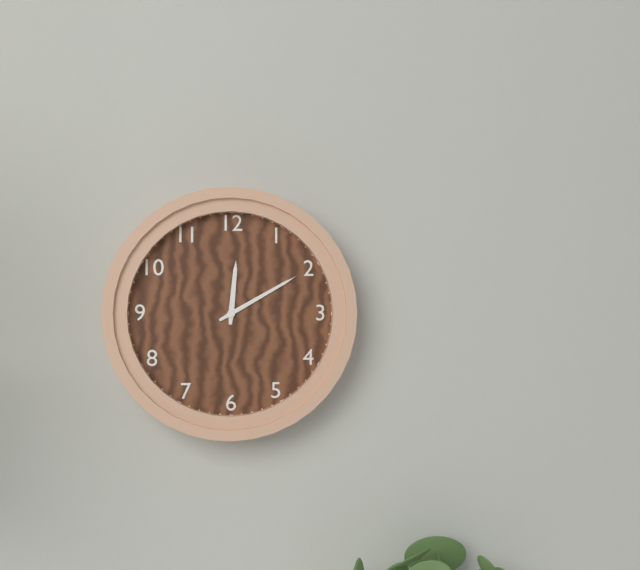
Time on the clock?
12:10
